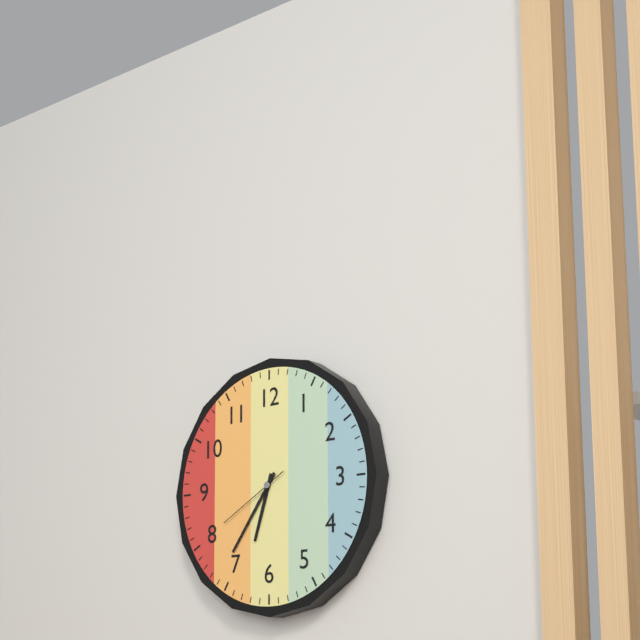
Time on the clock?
6:36:40
